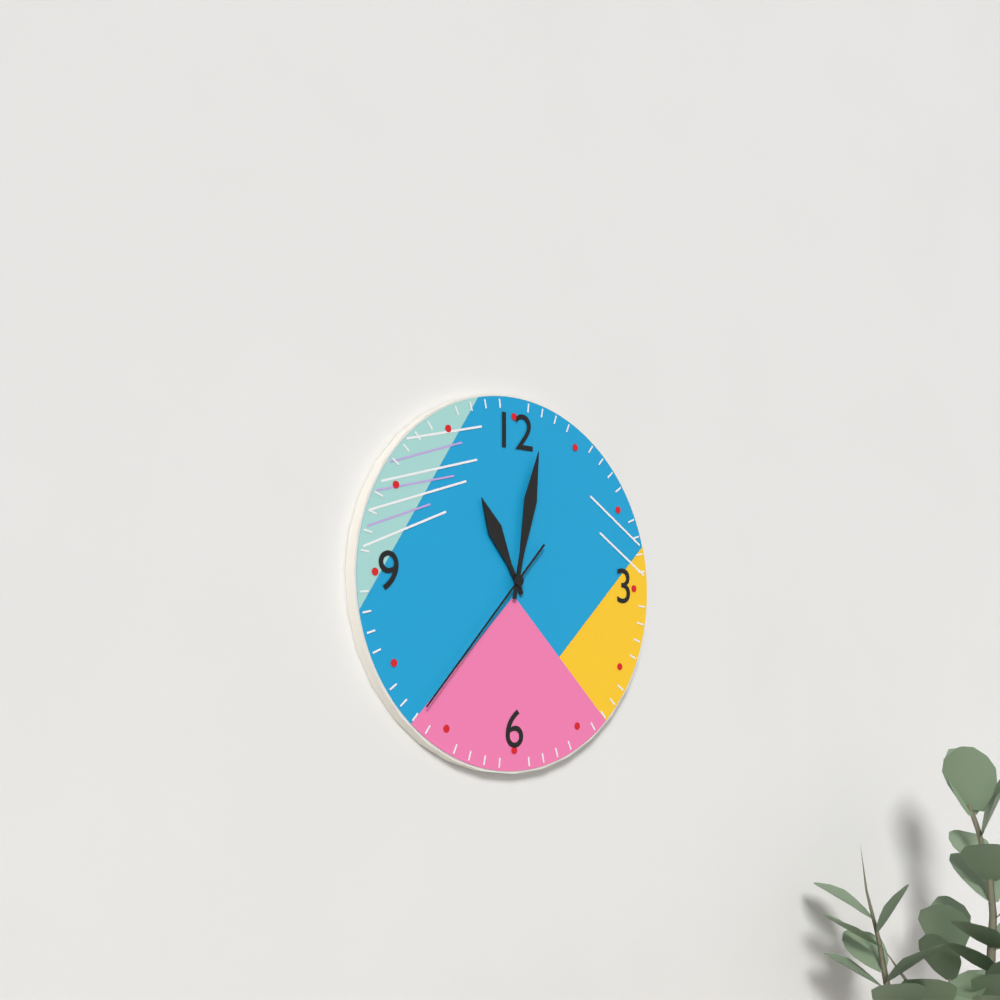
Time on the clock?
11:02:37
